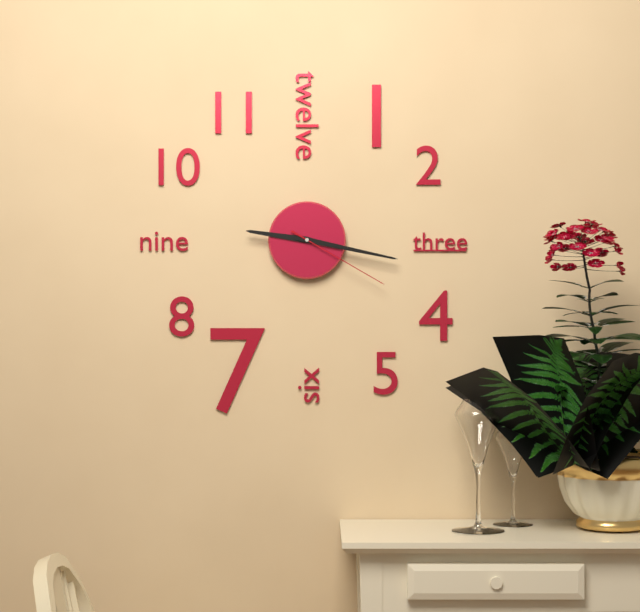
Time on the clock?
9:17:20
